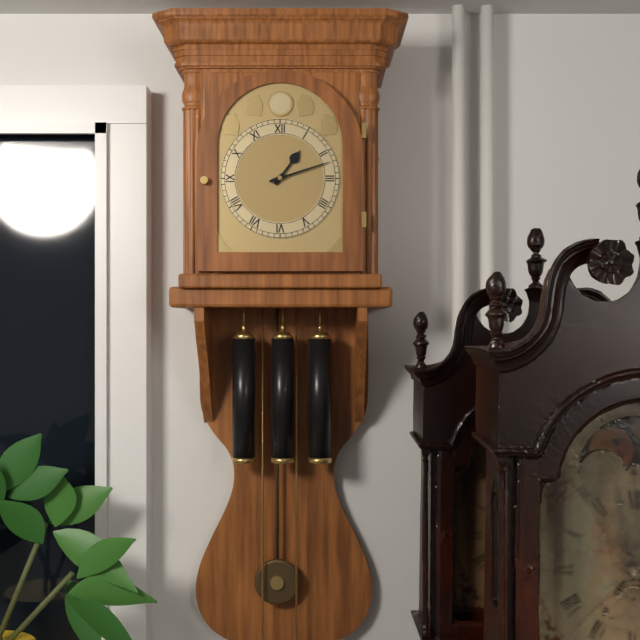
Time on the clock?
1:12
